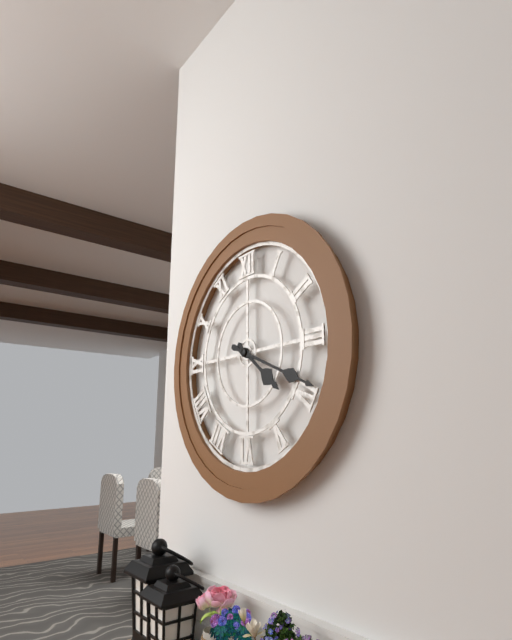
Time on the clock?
4:19
